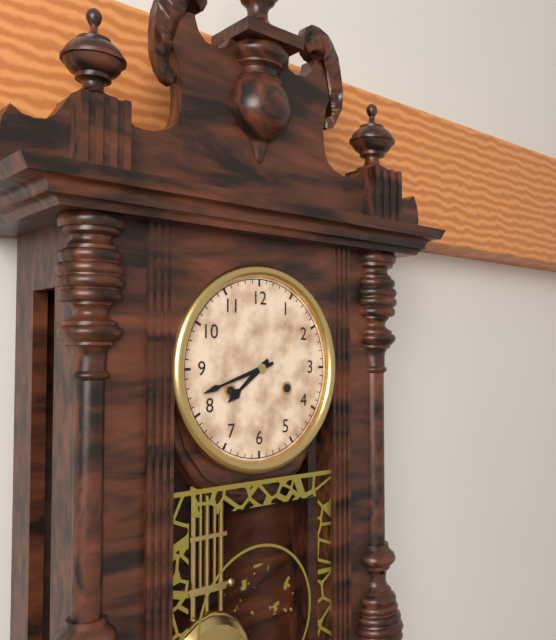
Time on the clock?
7:42
